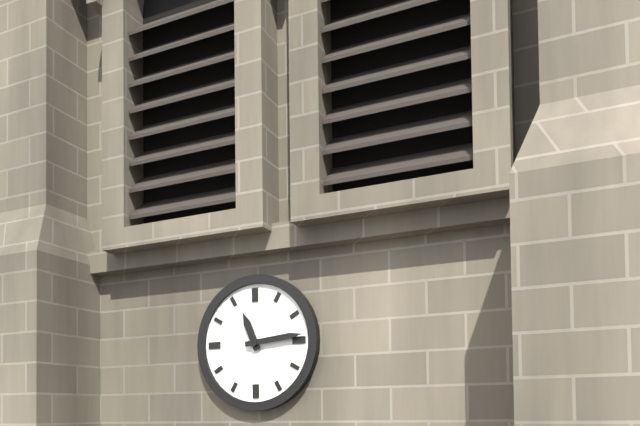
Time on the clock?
11:14
